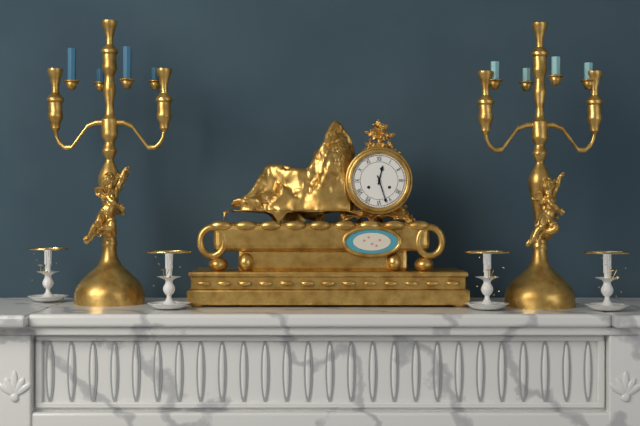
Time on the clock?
12:27
